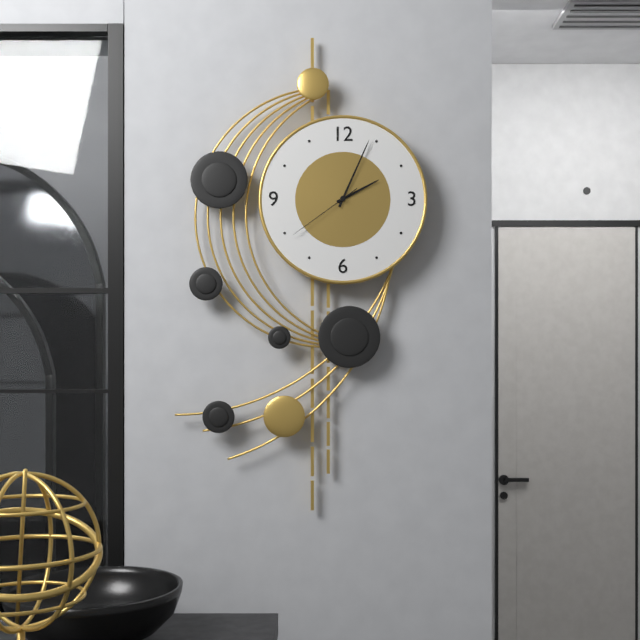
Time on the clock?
2:04:39
